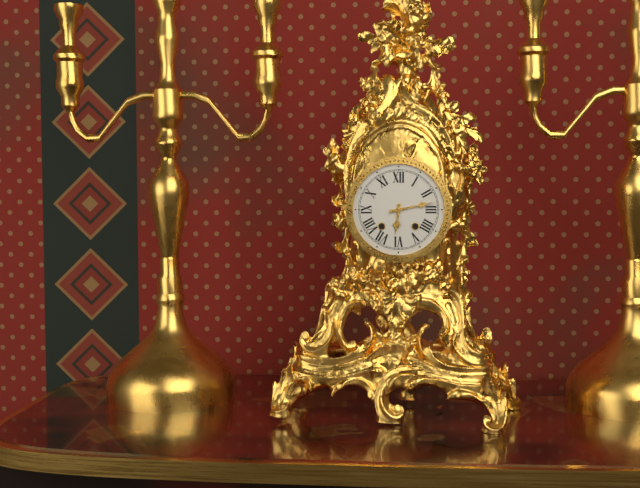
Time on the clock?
6:13
